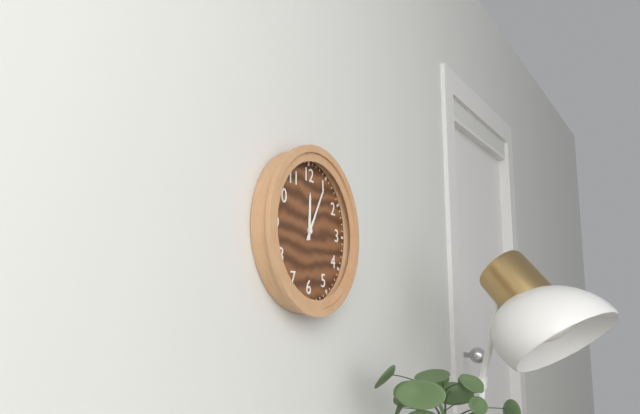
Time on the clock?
12:05
